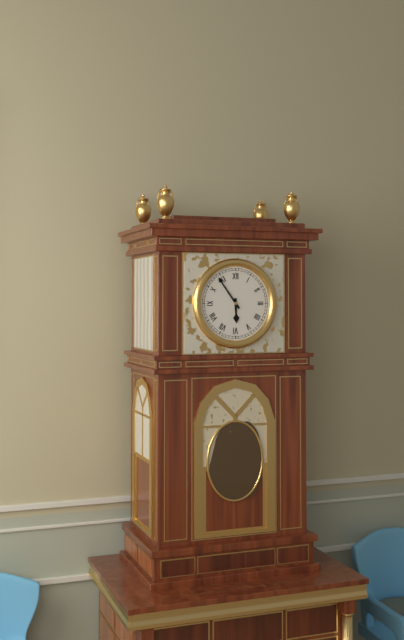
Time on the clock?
5:54
